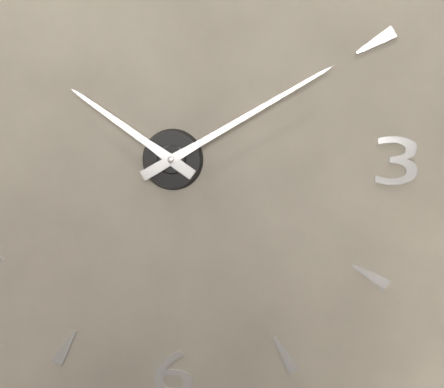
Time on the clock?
10:10
